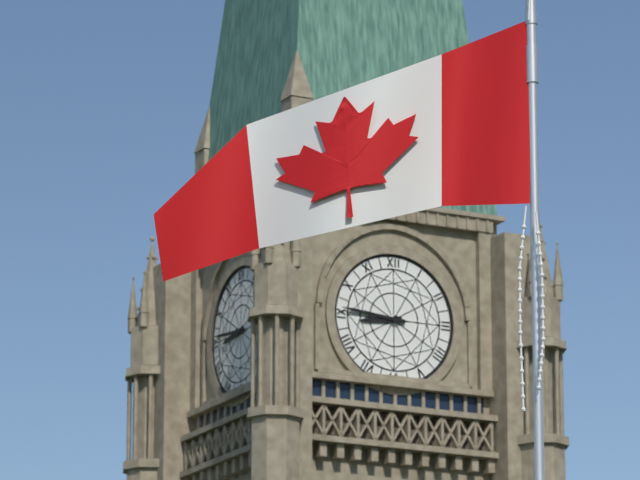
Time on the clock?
8:46
